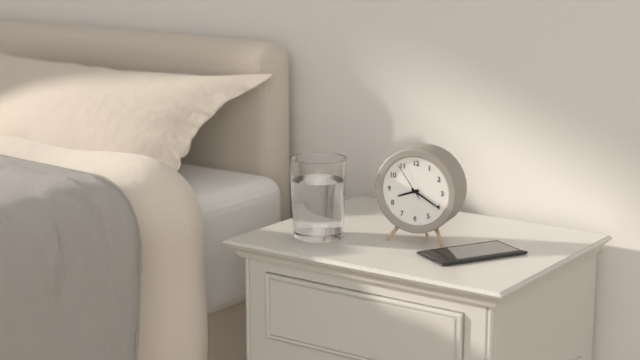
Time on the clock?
8:20
